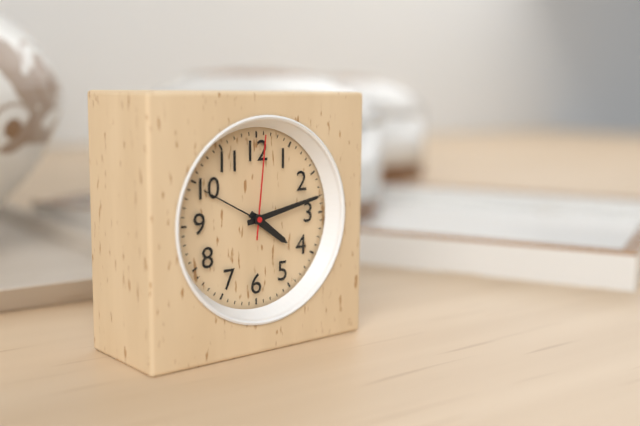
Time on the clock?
4:13:01
